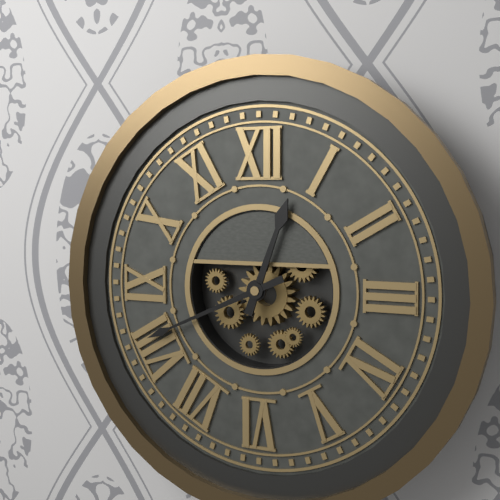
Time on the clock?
12:41
